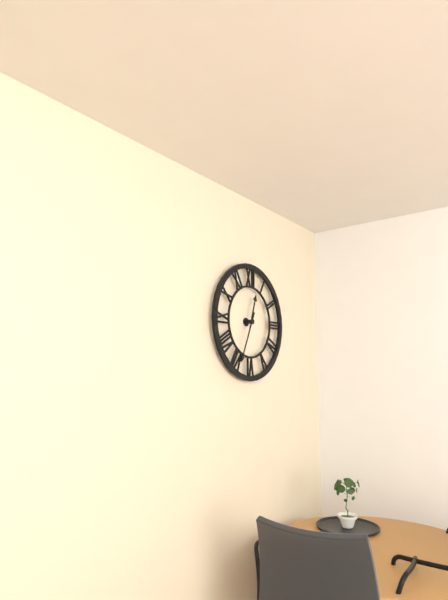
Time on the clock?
12:34
